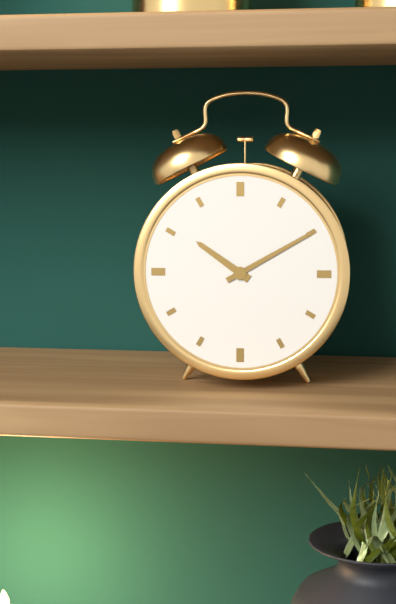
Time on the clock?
10:10
